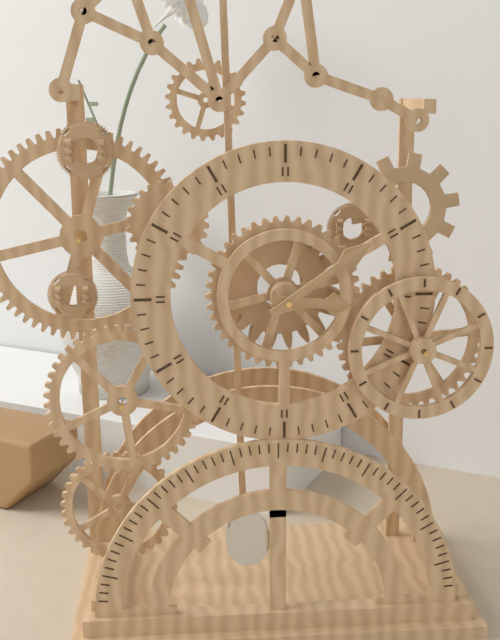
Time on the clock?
3:09
